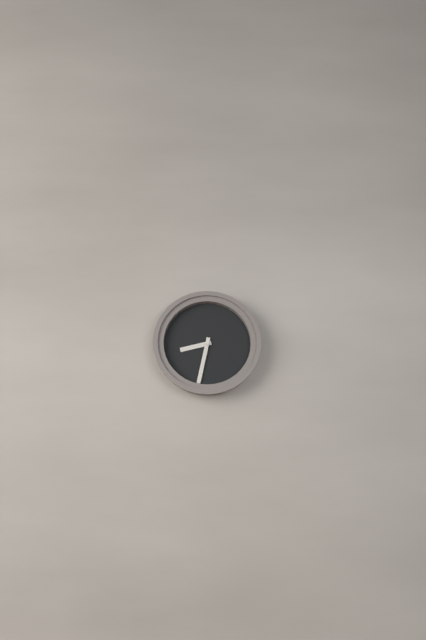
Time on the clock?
8:32
